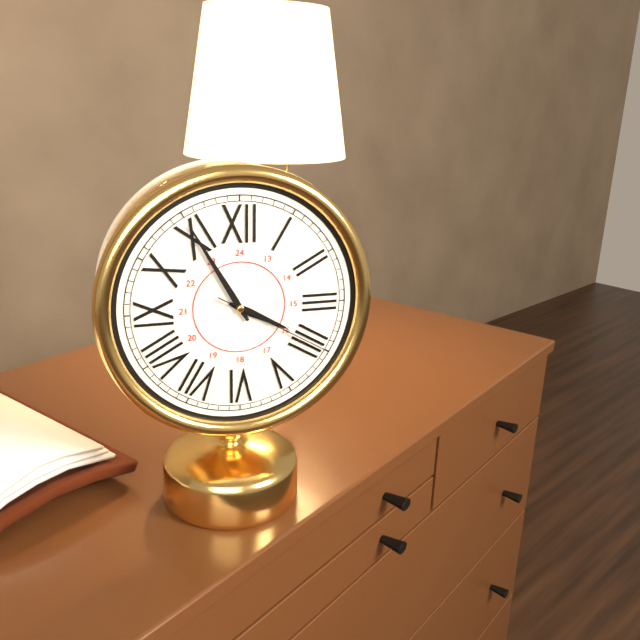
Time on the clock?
3:55:20
